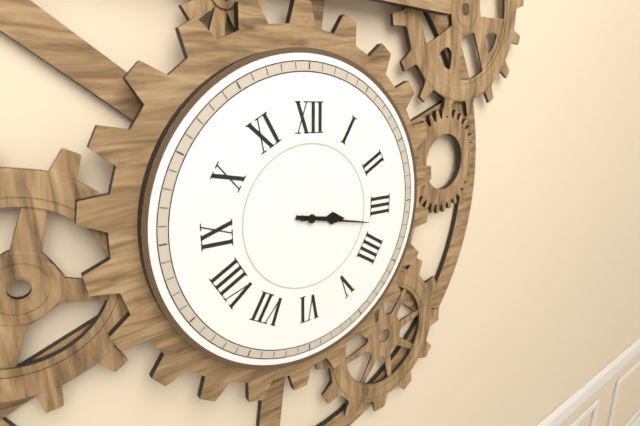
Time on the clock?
3:17
